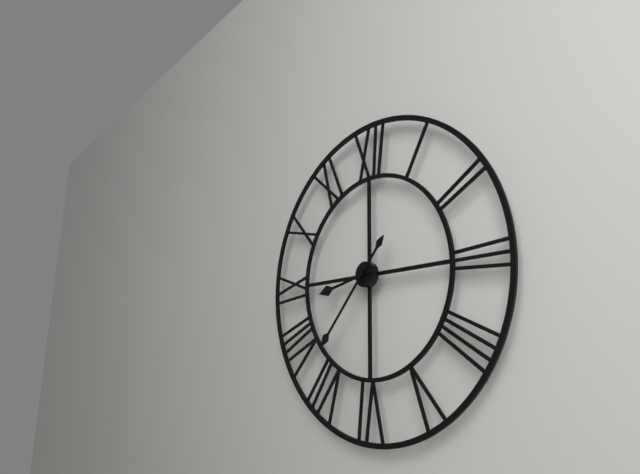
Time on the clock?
8:37
